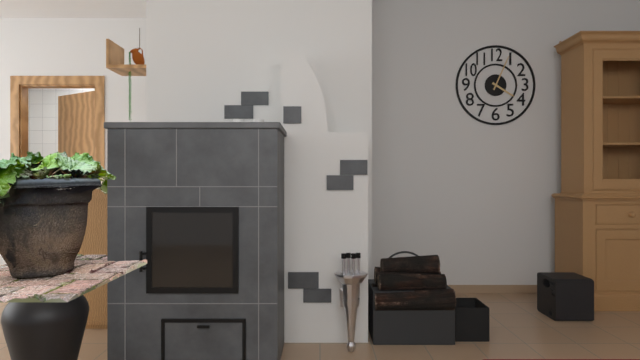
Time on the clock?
4:04
